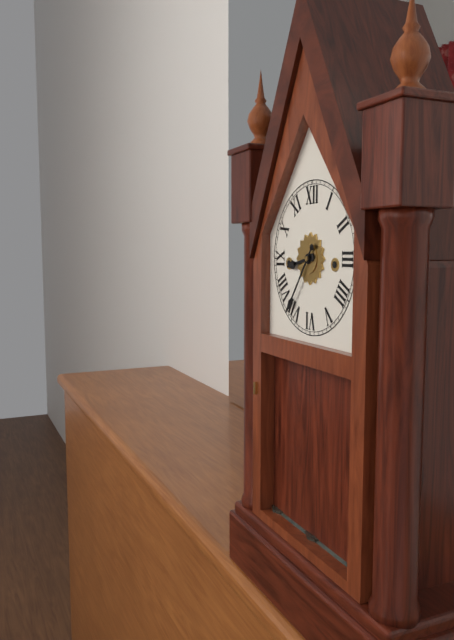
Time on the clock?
8:36
